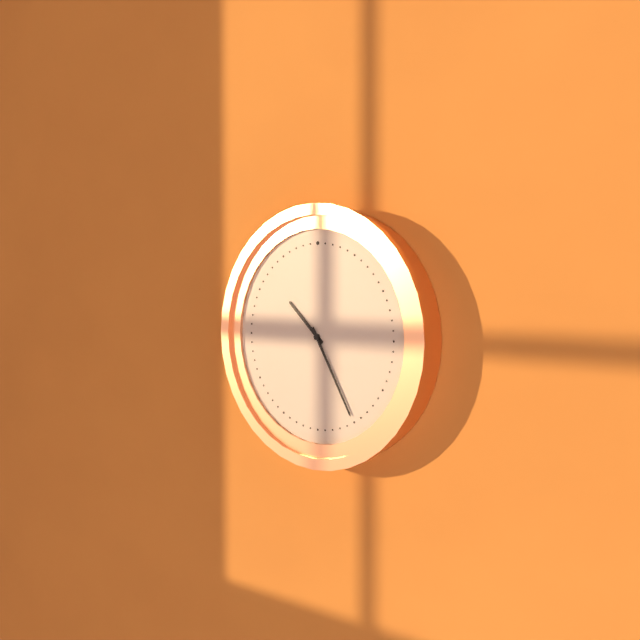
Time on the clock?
10:25
